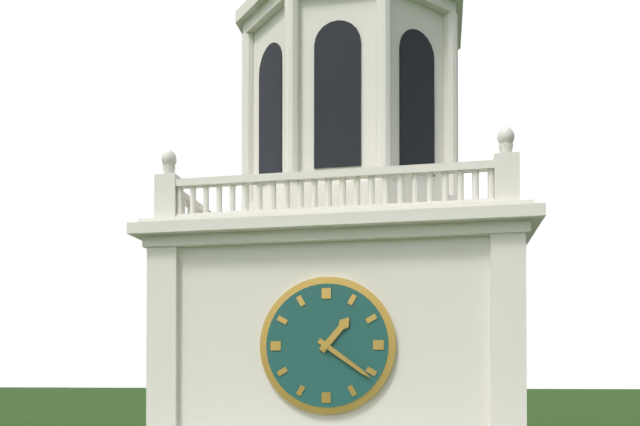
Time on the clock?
1:21
